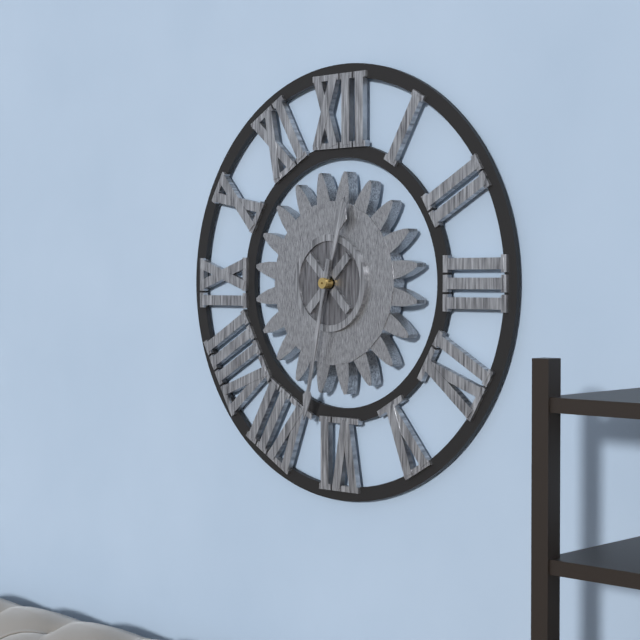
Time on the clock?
12:32
